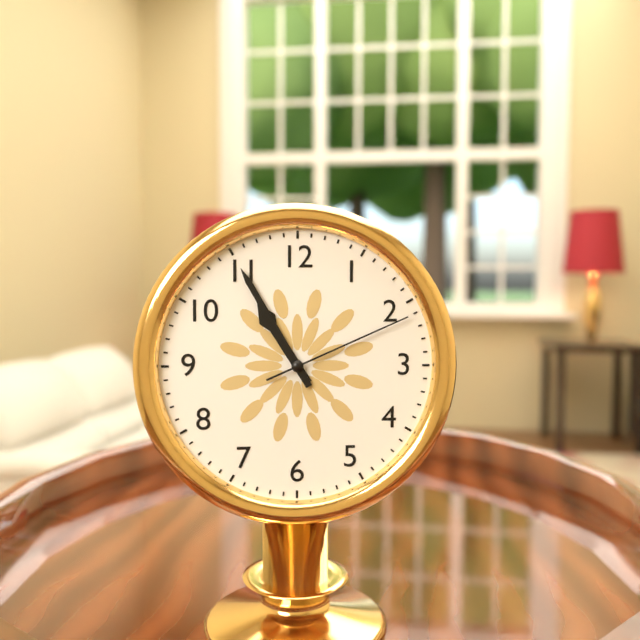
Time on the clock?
10:55:11
